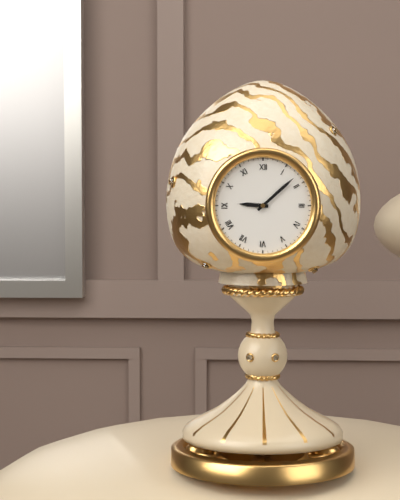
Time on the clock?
9:08
